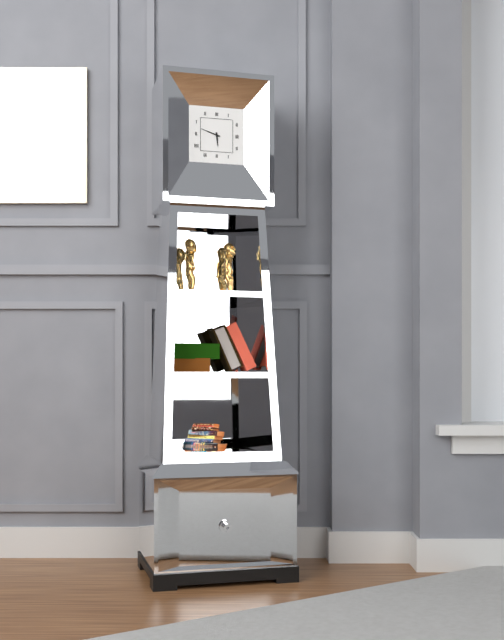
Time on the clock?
5:48
